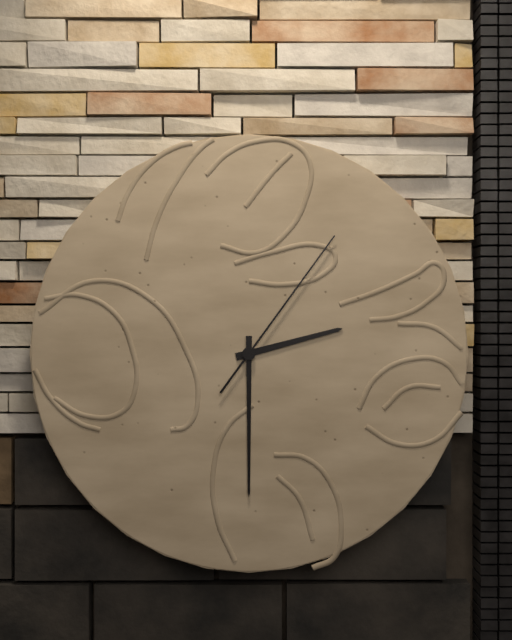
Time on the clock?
2:30:06
